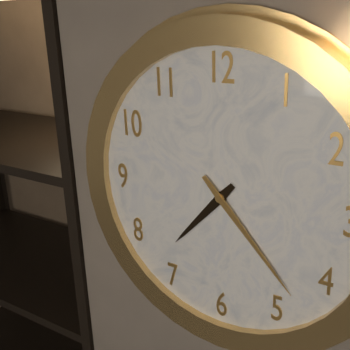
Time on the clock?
7:23
